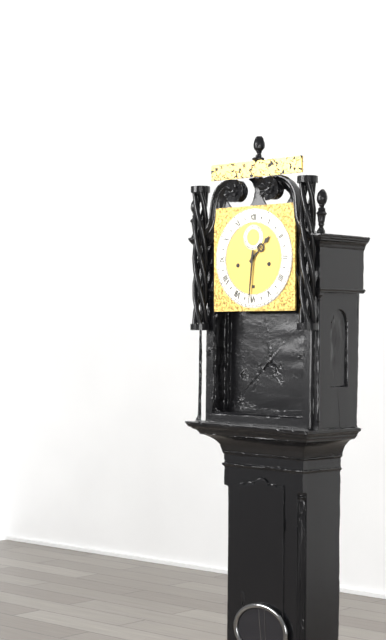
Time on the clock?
1:31
